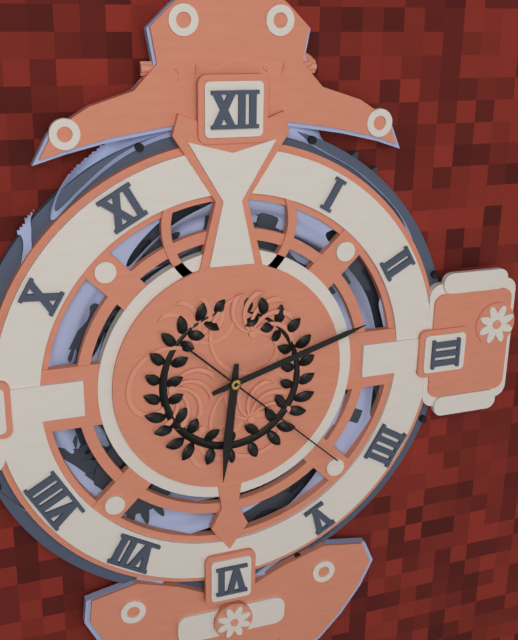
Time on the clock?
6:12:22
